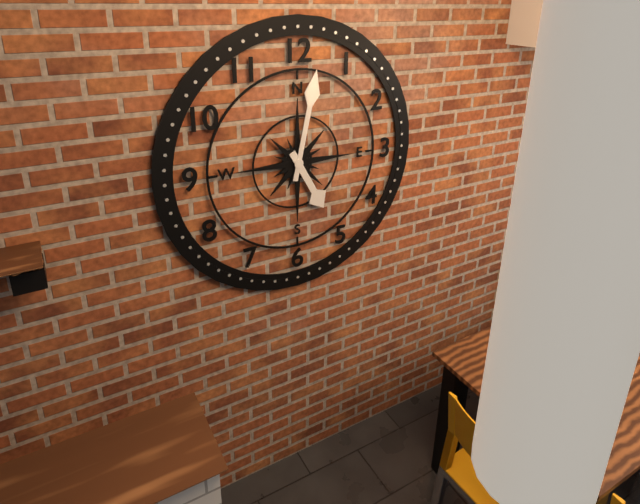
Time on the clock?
5:02
